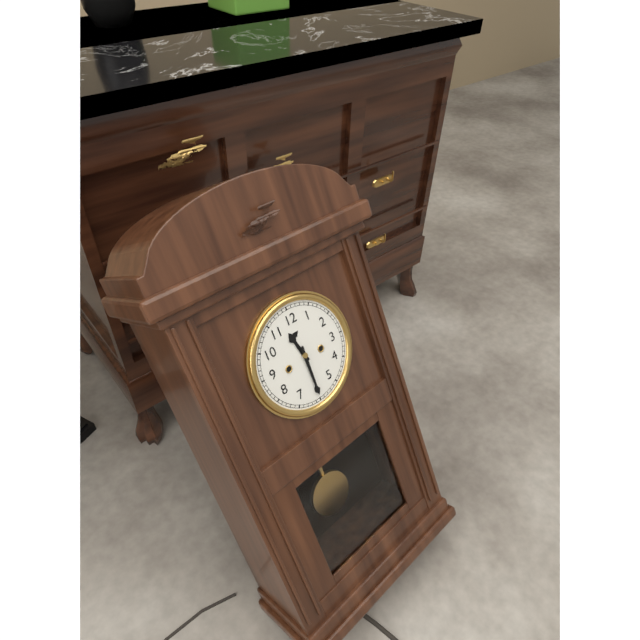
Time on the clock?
11:30
